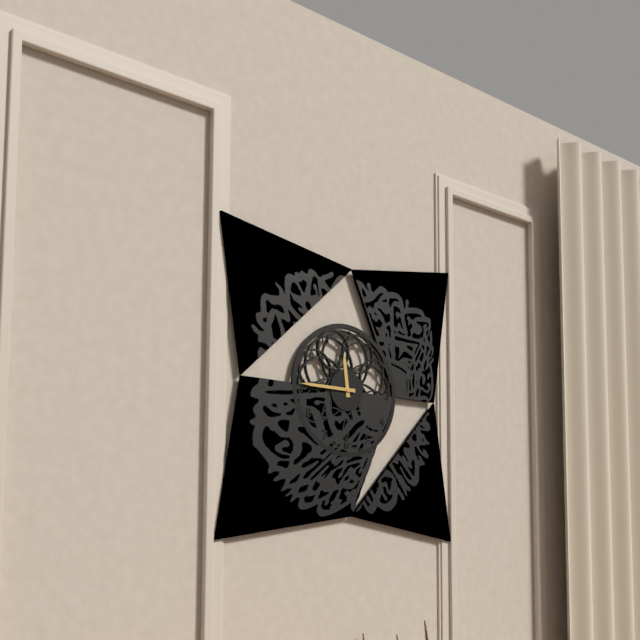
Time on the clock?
11:45
